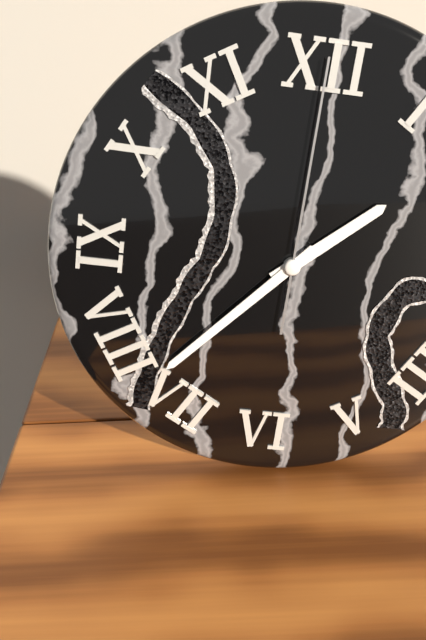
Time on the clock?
1:37:00
